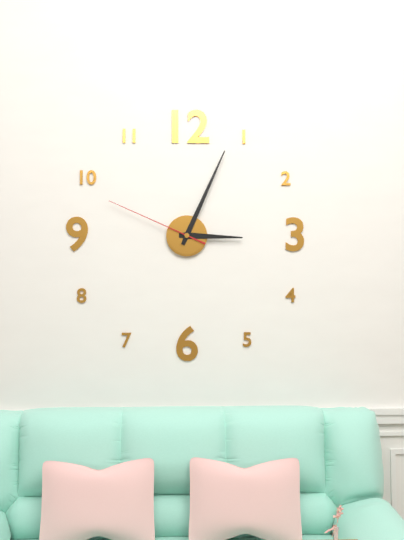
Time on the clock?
3:04:49
